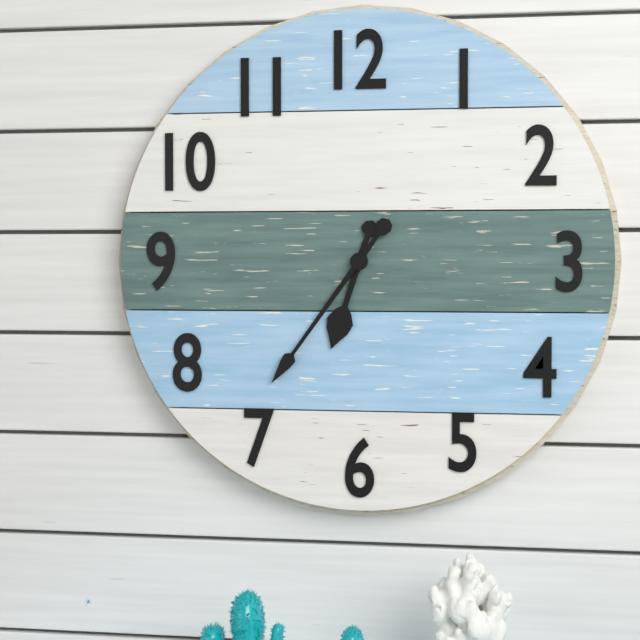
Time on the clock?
6:36
